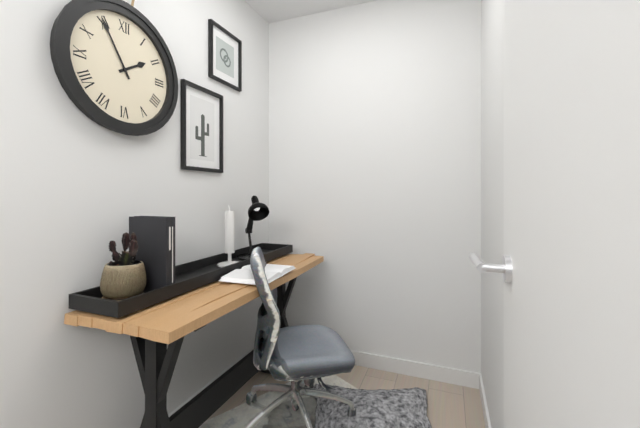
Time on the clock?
1:55
